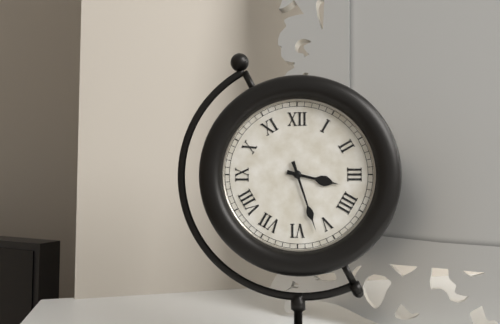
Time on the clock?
3:27
